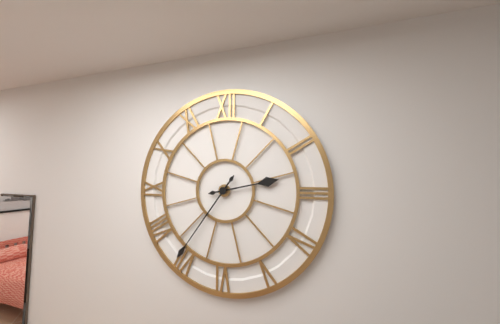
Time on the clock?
2:36
